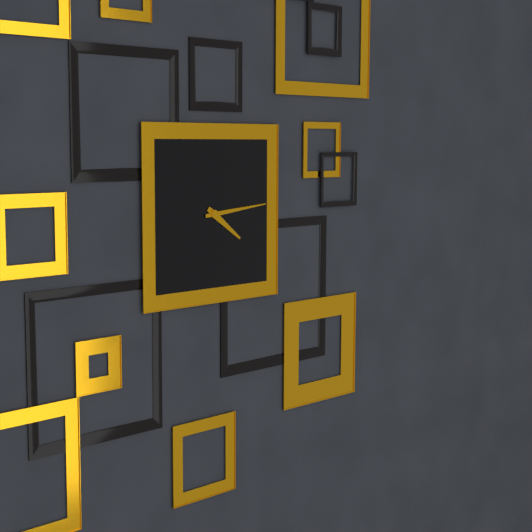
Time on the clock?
4:14
